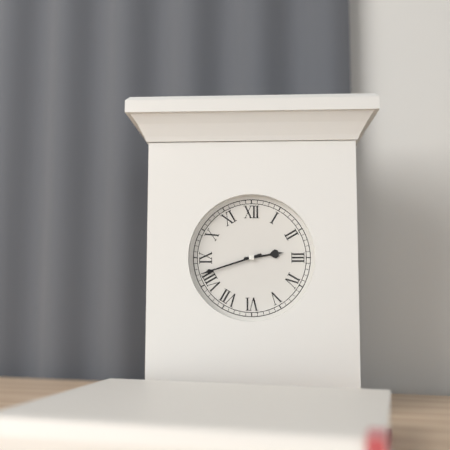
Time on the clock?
2:42
